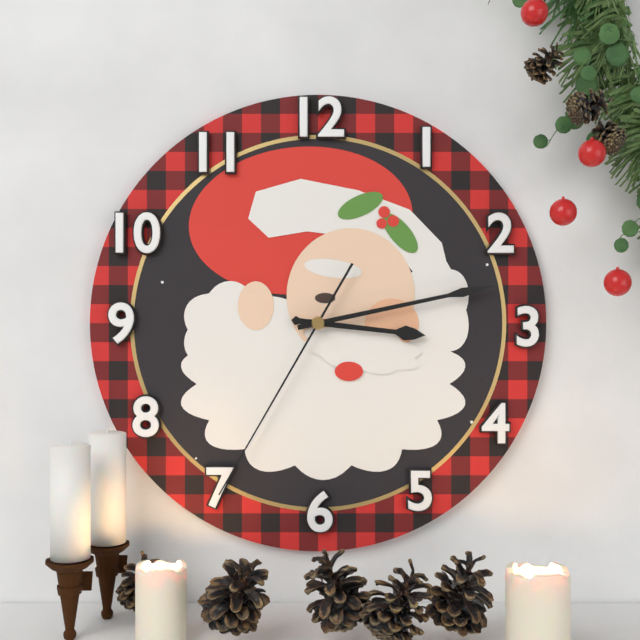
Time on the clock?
3:13:35
